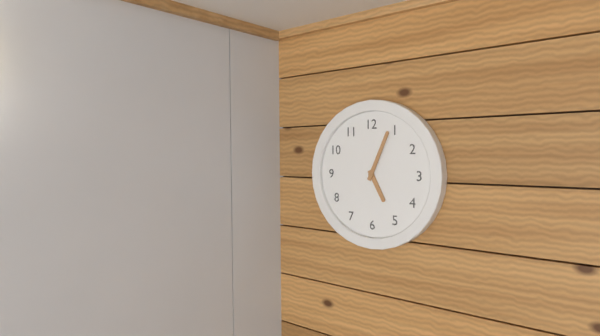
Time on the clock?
5:04
